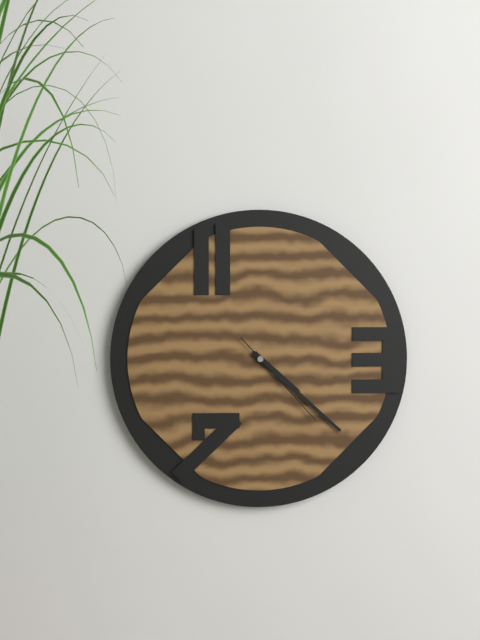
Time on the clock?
4:22:23
